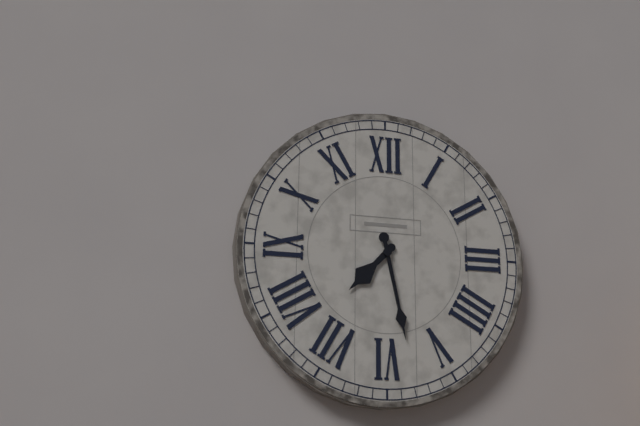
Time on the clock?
7:28
